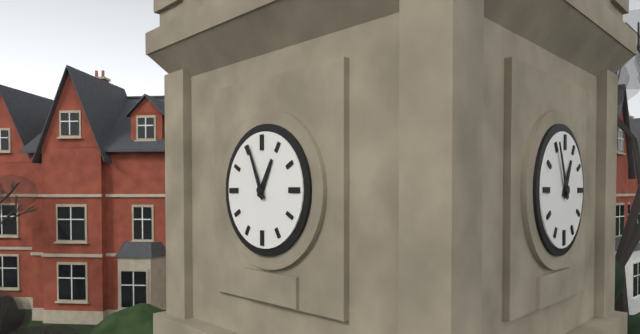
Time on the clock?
12:56
